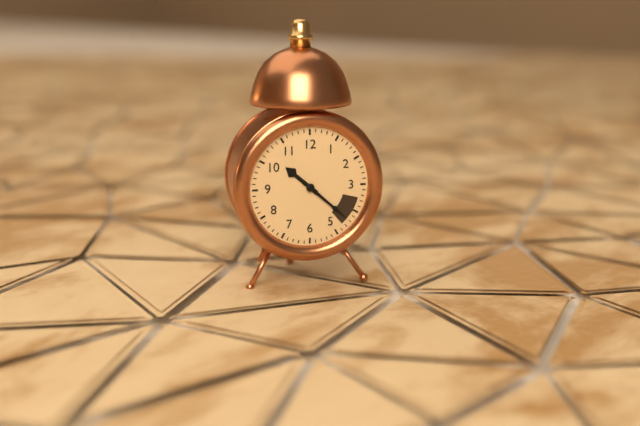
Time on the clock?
10:22
